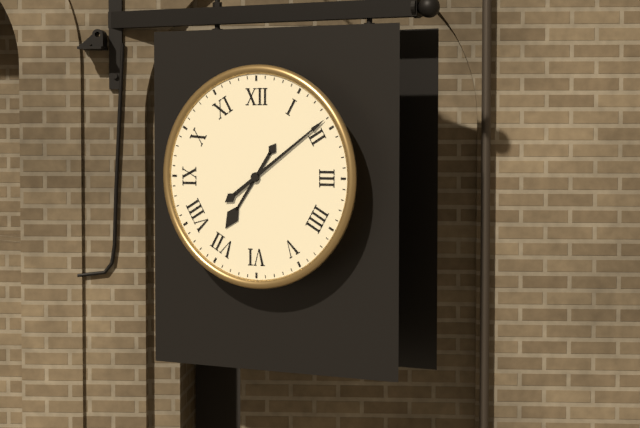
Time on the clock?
7:09
